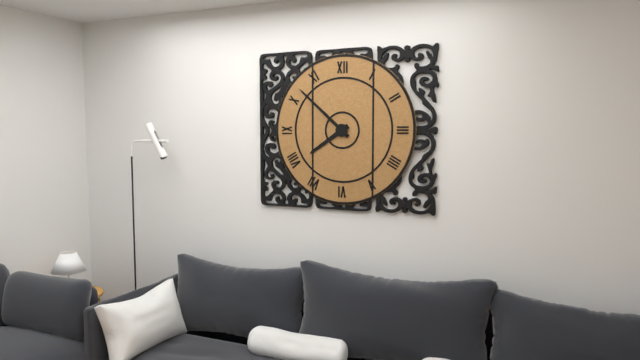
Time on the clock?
7:52
